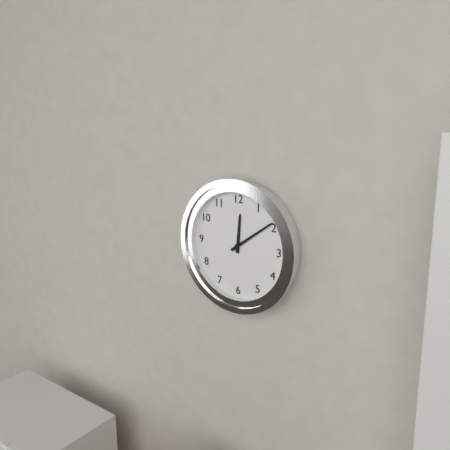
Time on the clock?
12:09
